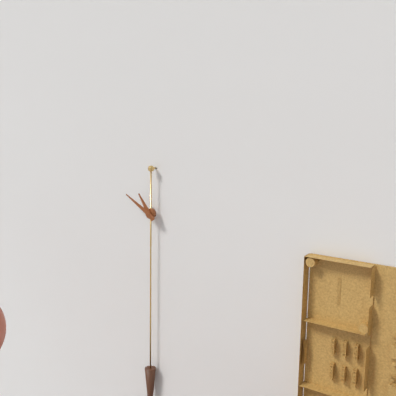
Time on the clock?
10:50
